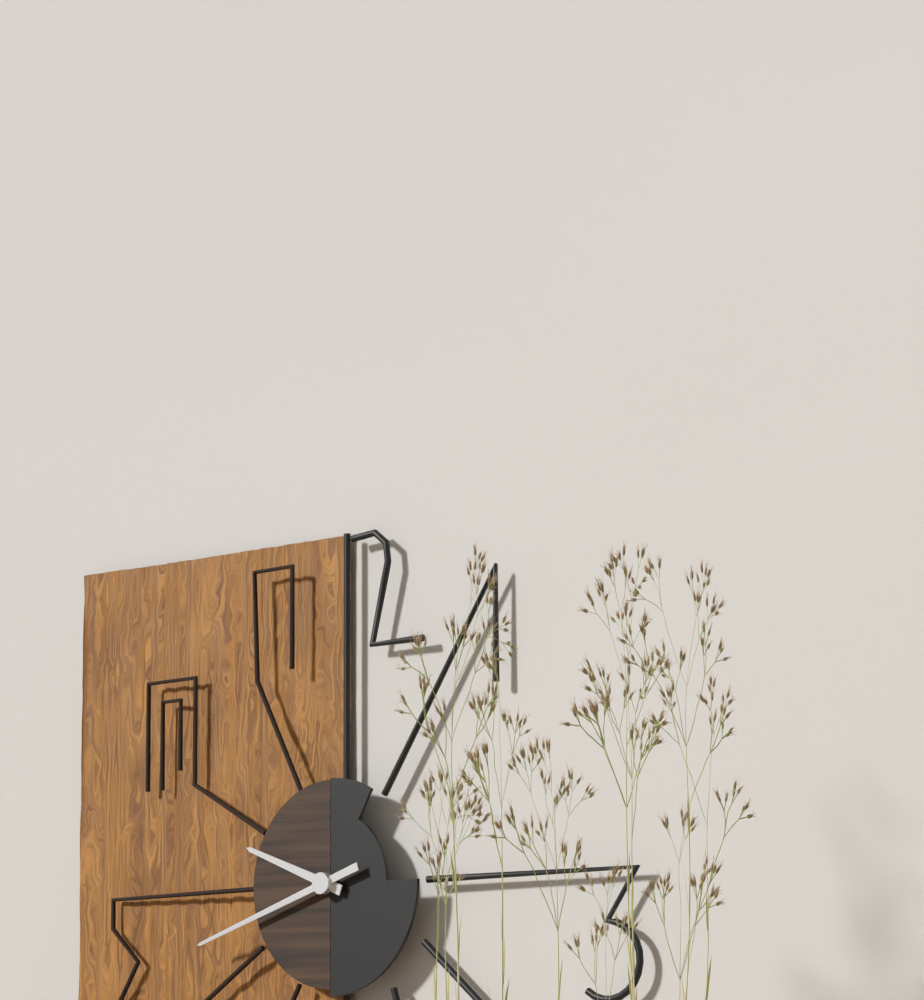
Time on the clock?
9:42
